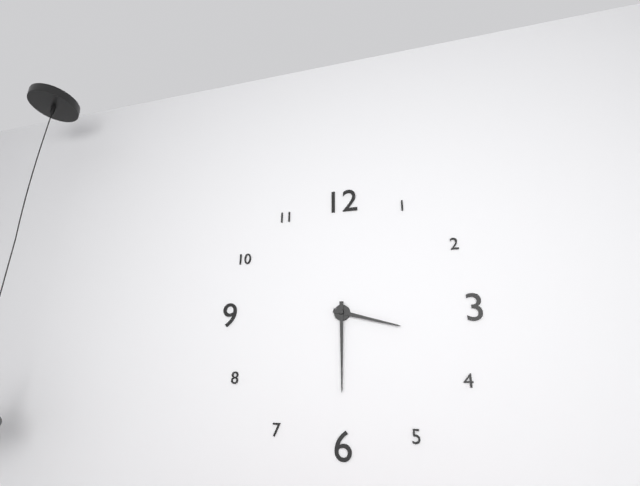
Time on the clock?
3:30
